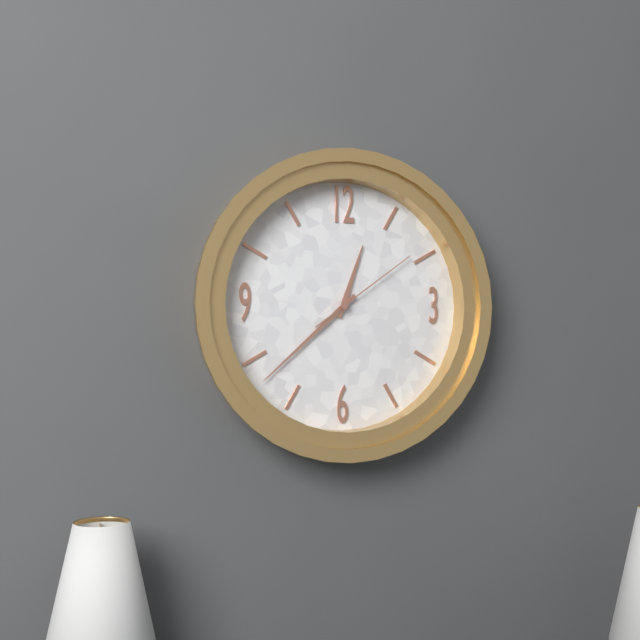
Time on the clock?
12:38:09
